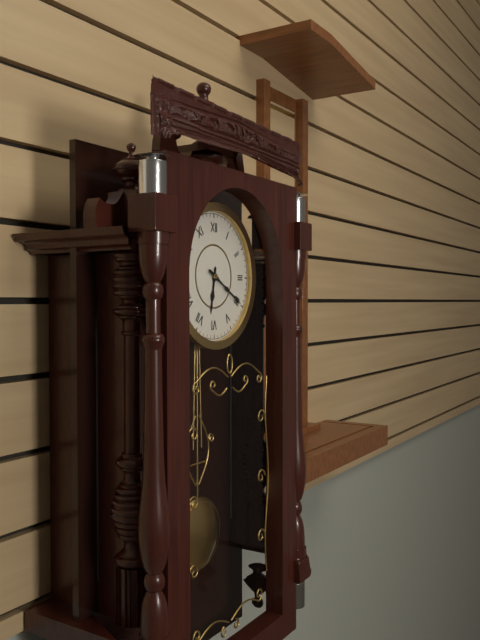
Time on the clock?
6:20
